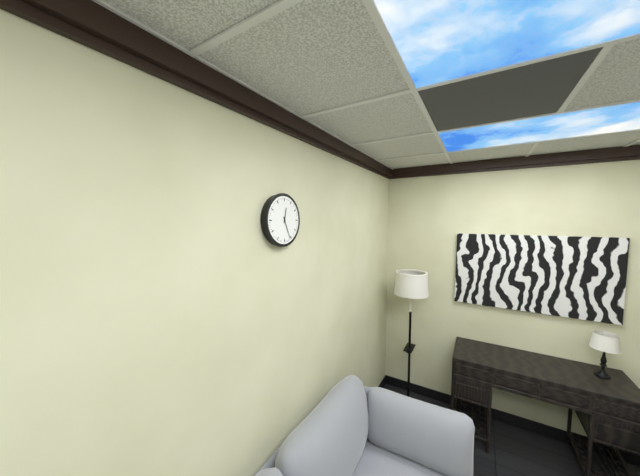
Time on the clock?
12:26
